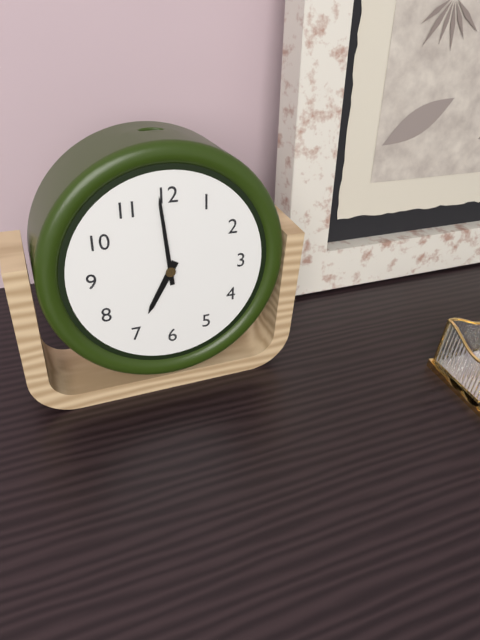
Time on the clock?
6:59
